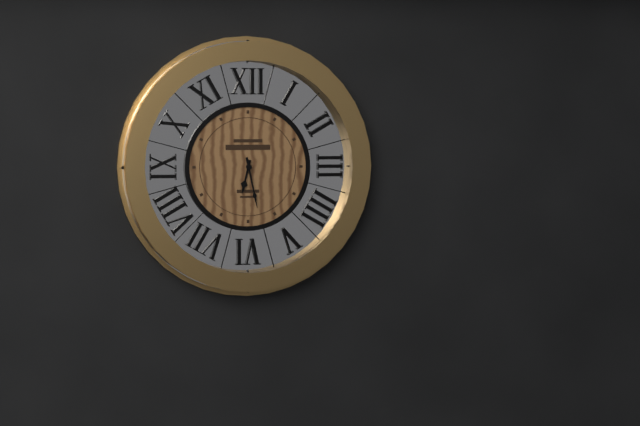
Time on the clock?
6:28
